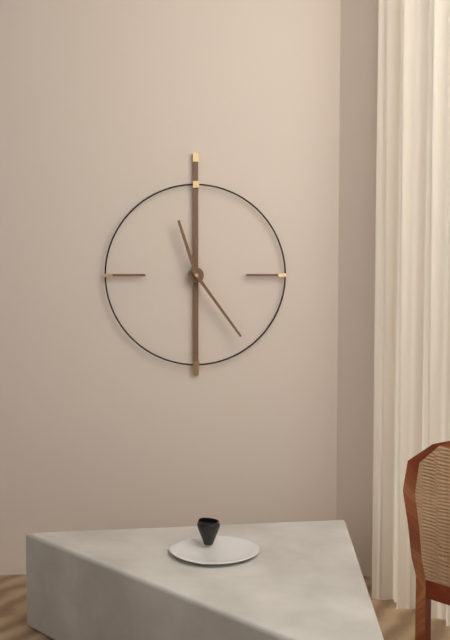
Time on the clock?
11:24
